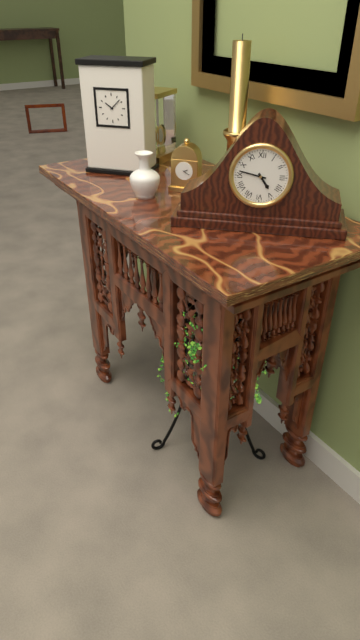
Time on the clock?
4:47
